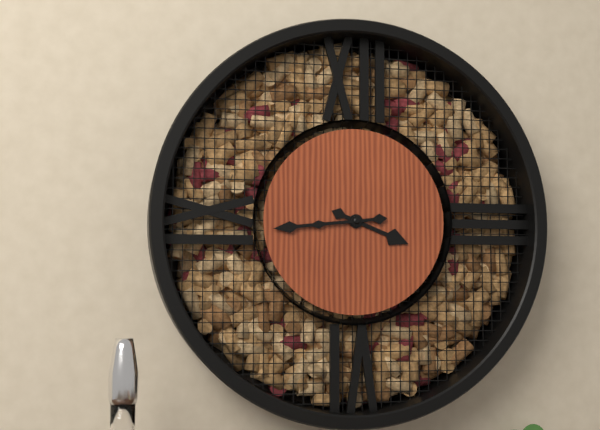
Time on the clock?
3:44
